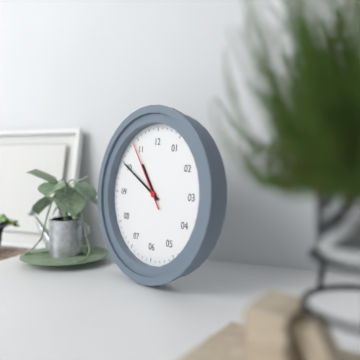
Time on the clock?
10:50:54
